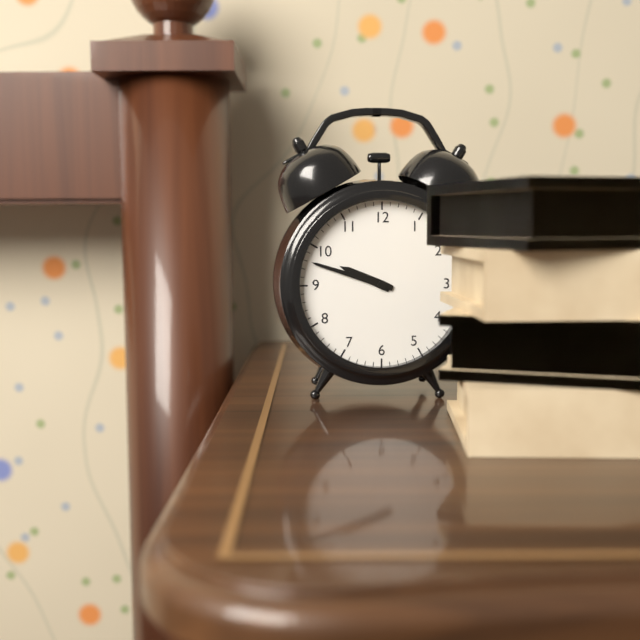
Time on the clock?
9:48
